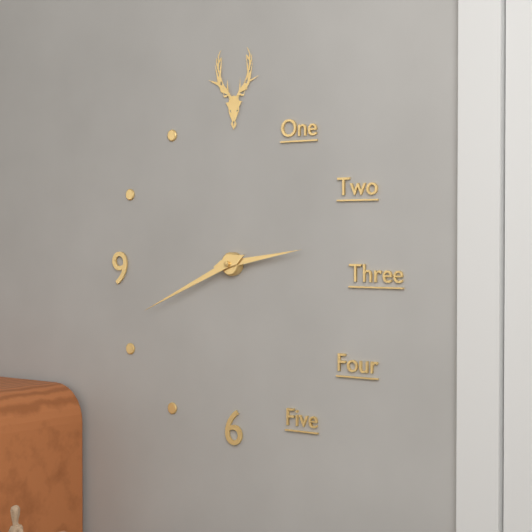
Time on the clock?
2:41
